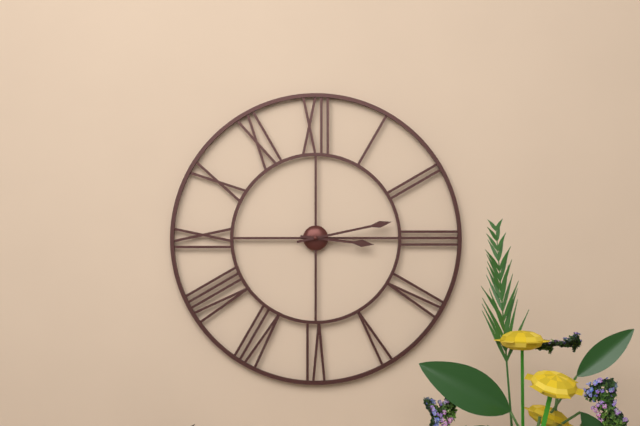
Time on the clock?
3:13
